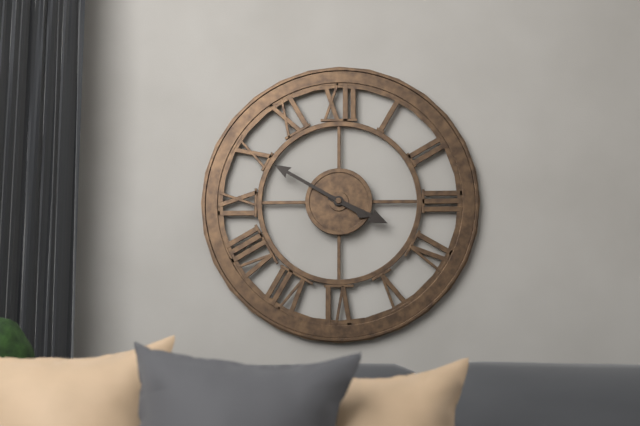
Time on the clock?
3:50
